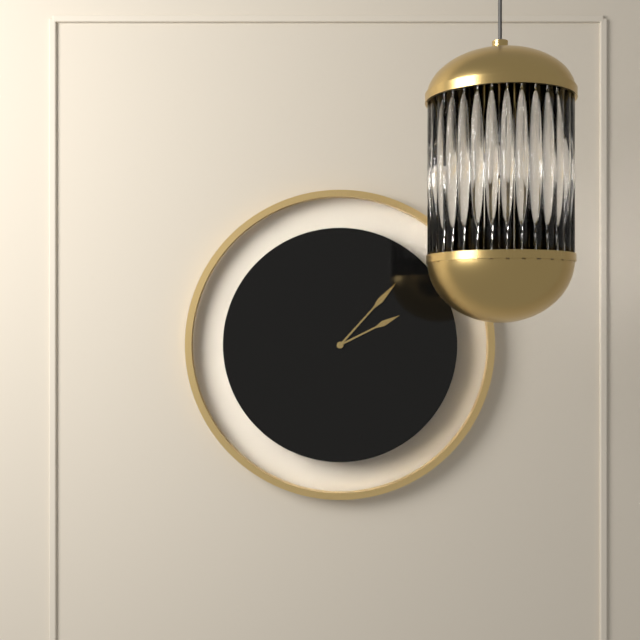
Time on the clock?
2:07
